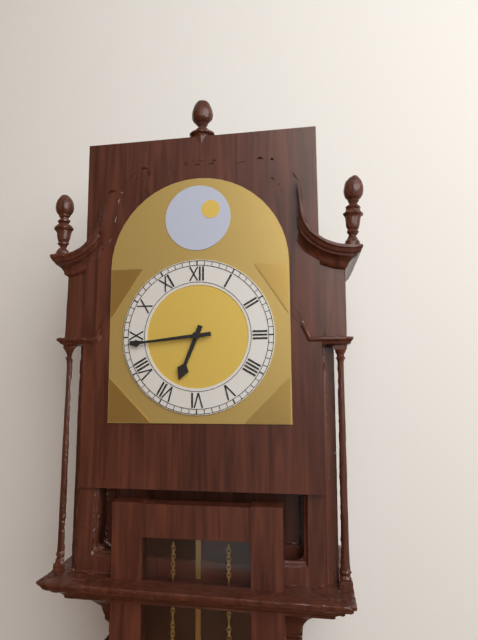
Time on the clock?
6:44
